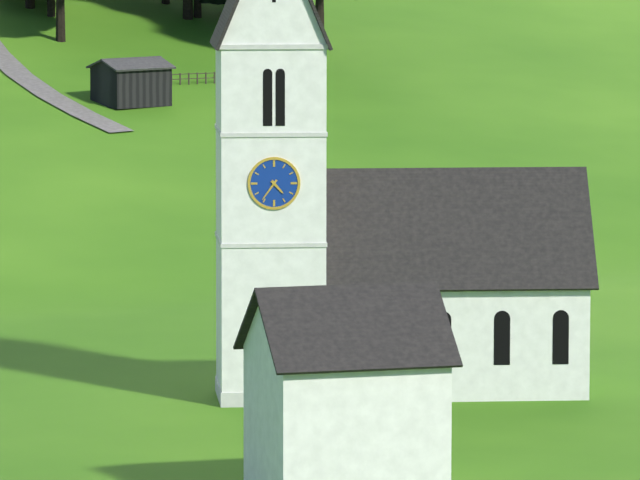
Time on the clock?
4:36
